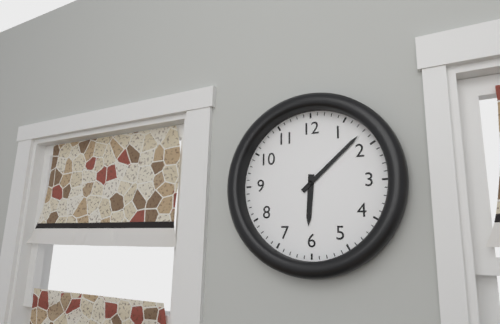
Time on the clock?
6:08
